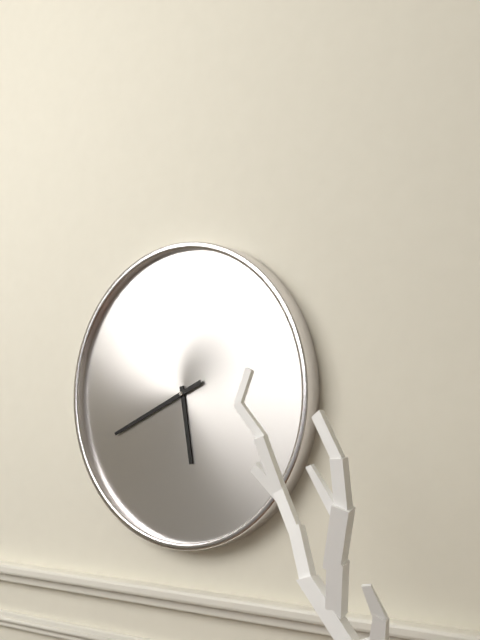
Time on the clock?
5:41
